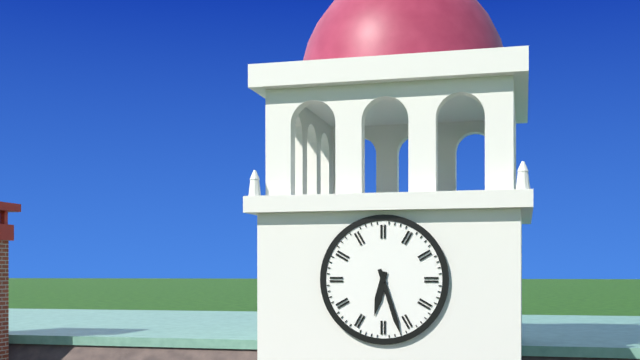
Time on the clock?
6:27
